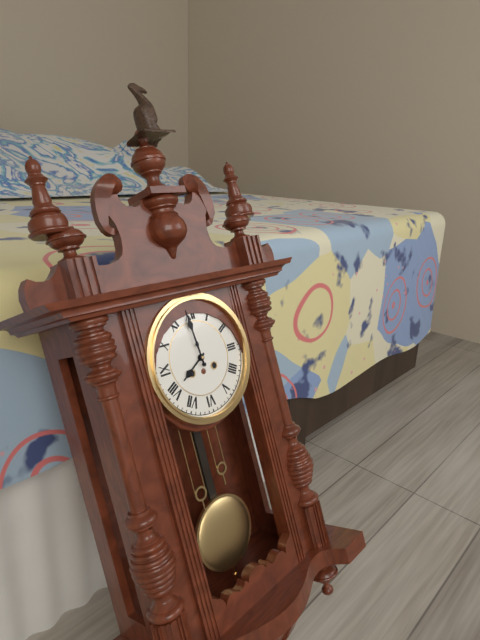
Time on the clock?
7:59
